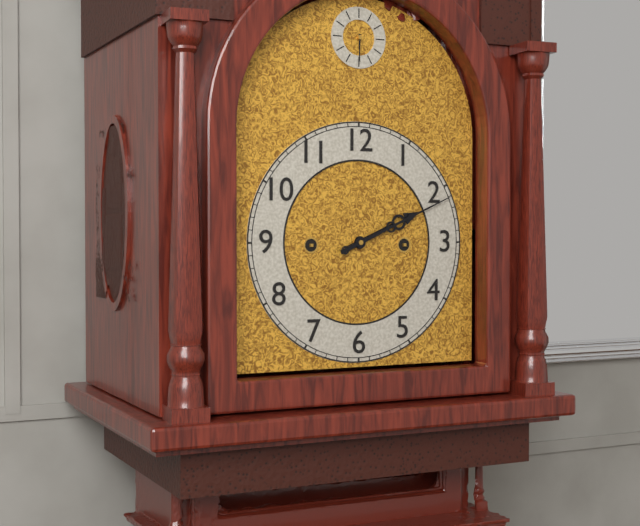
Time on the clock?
2:11
